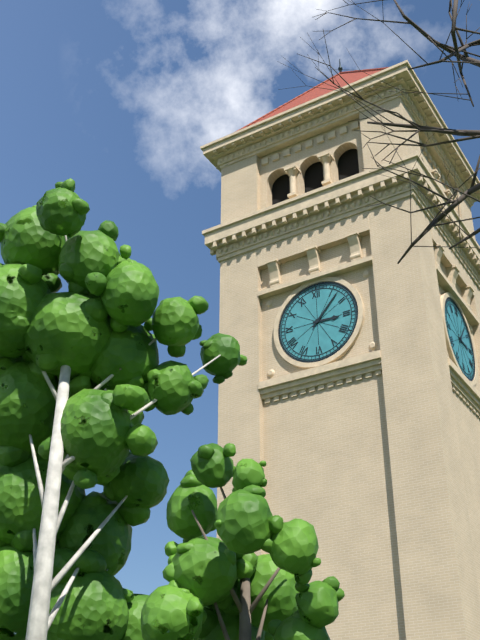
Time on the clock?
3:07
